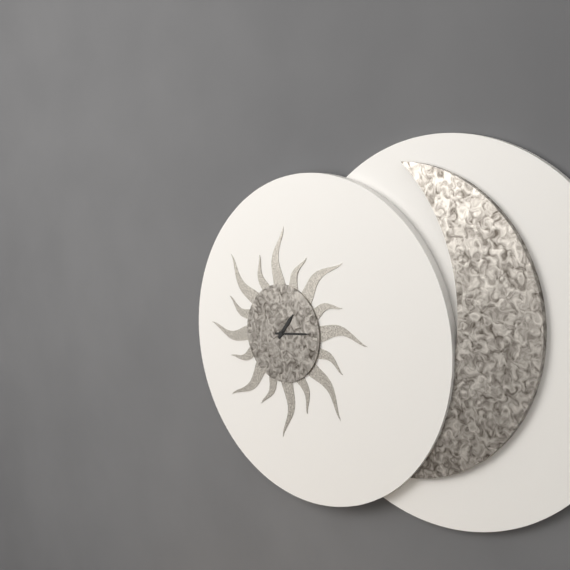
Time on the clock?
1:14
